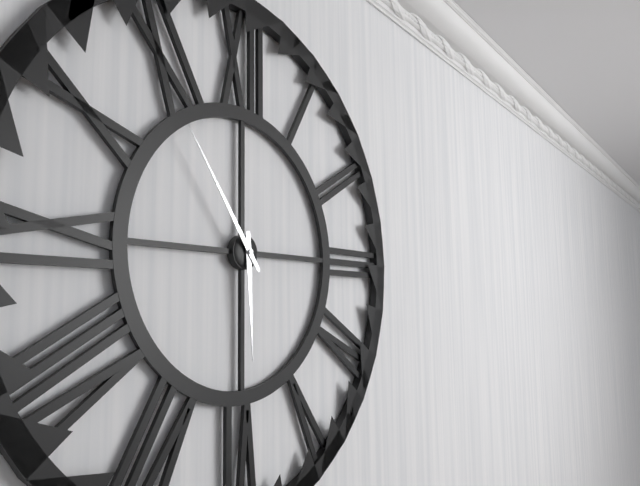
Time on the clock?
5:54
